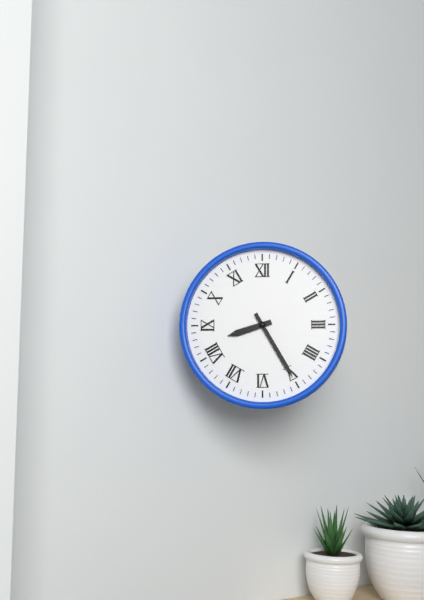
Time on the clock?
8:25
